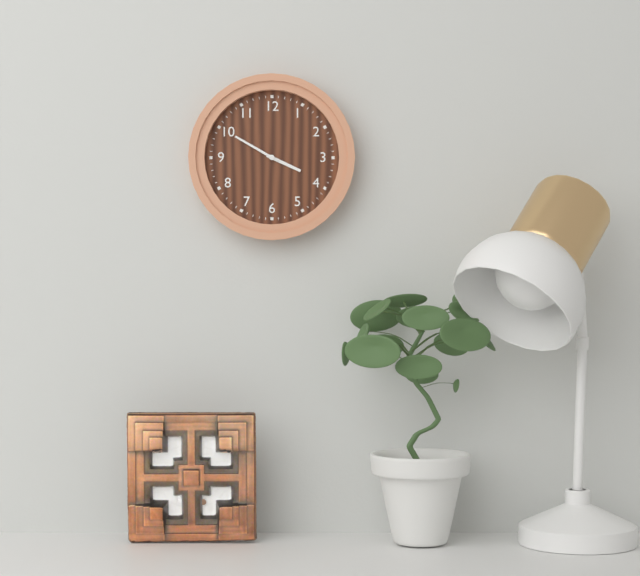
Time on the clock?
3:50
